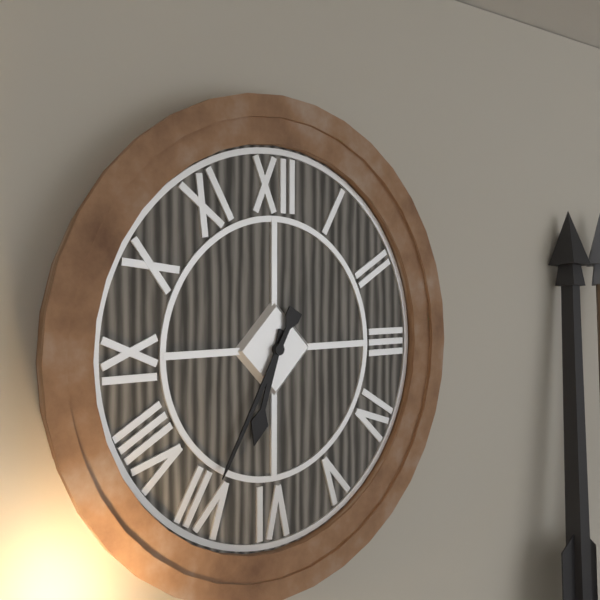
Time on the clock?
6:35
